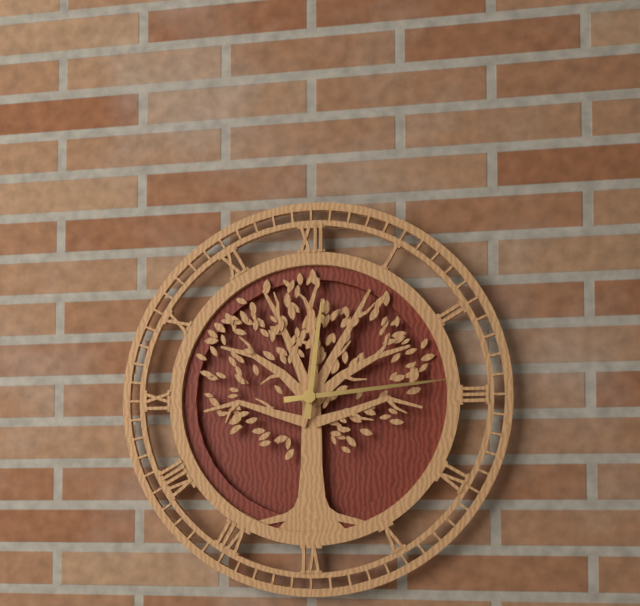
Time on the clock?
12:14
